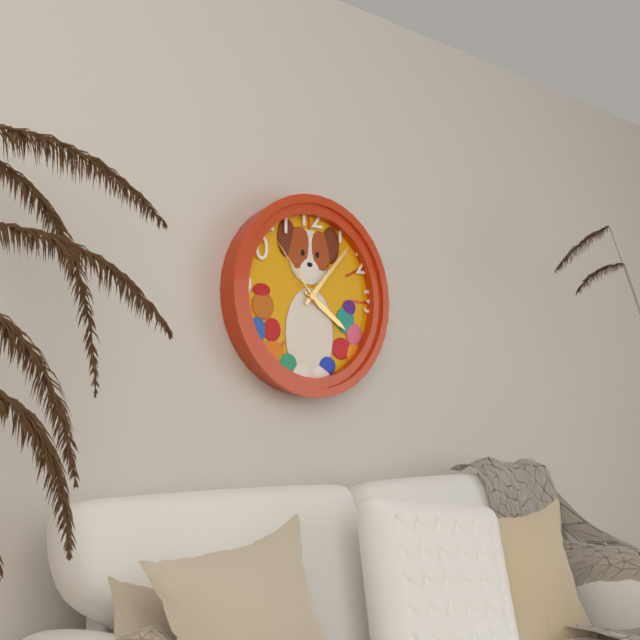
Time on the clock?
4:07:53
